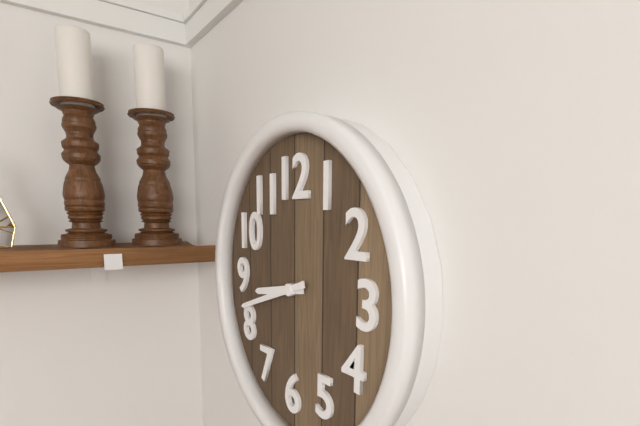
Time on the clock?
8:42
